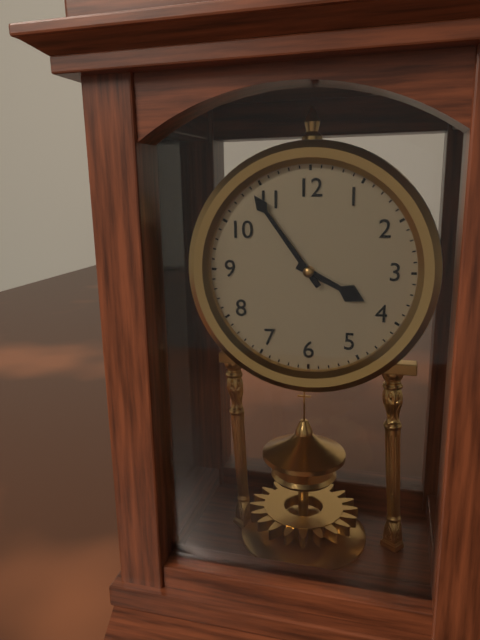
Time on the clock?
3:54
